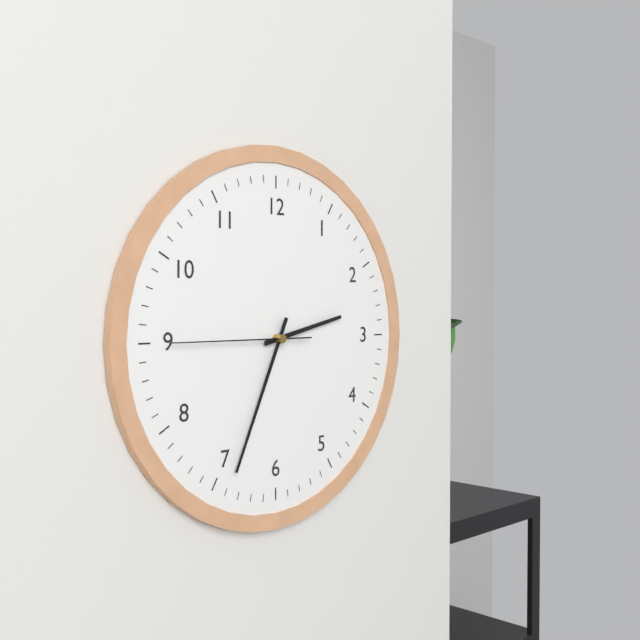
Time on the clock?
2:34:45
